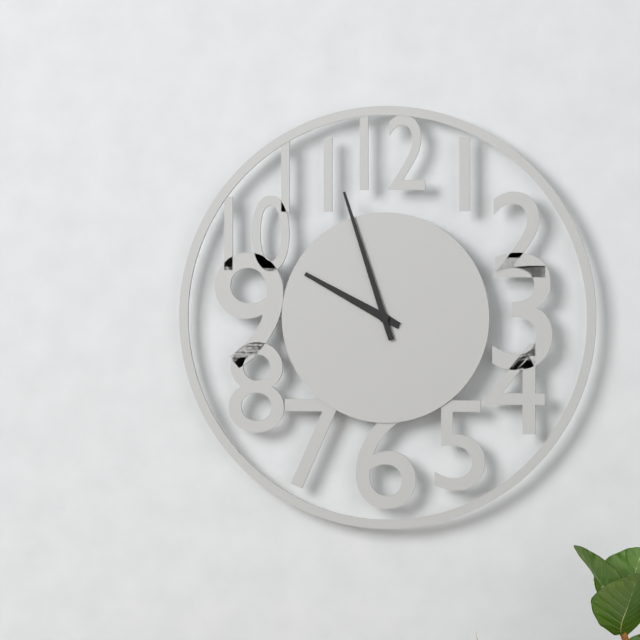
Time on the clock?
9:57
